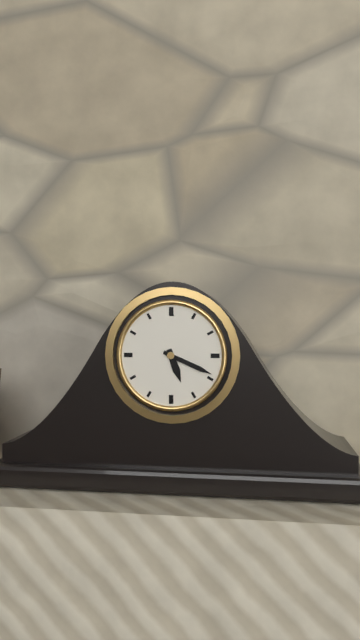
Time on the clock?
5:19
